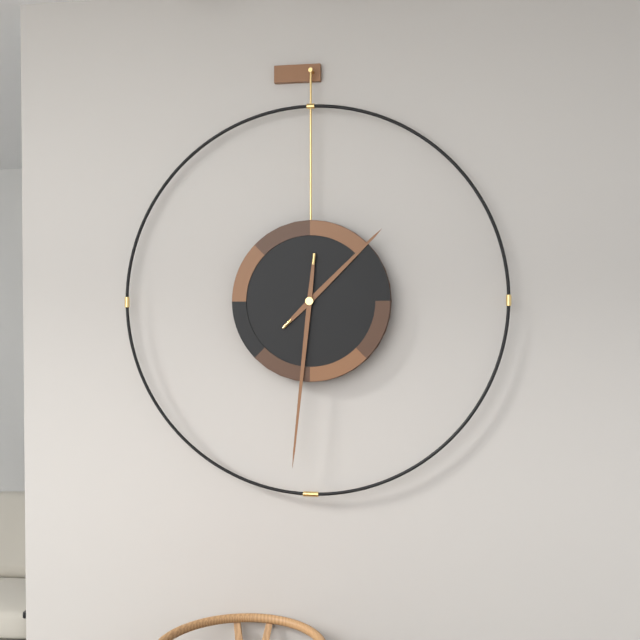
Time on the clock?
1:31
